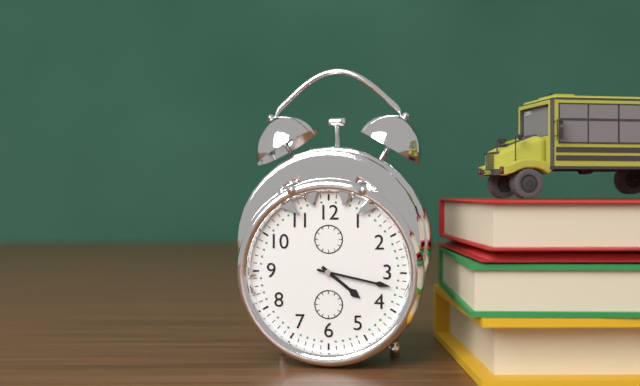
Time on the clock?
4:17
